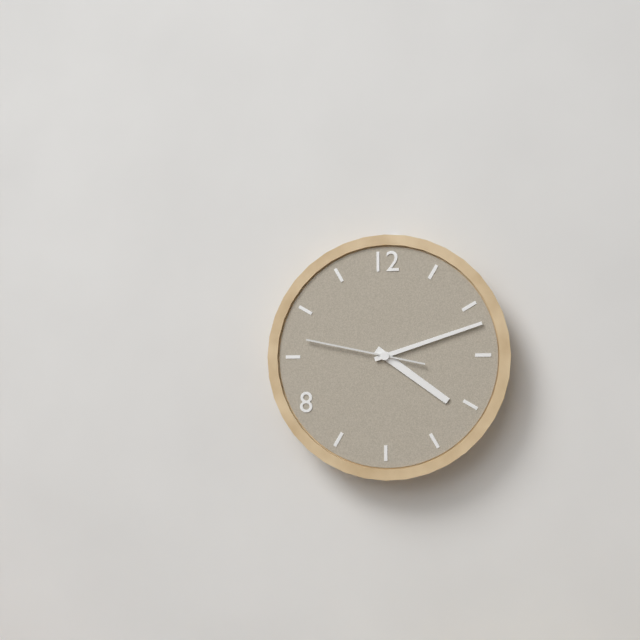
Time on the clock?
4:12:47
